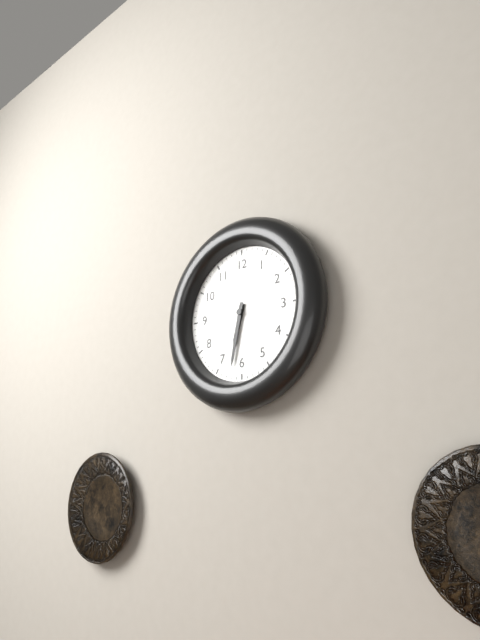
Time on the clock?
6:32
